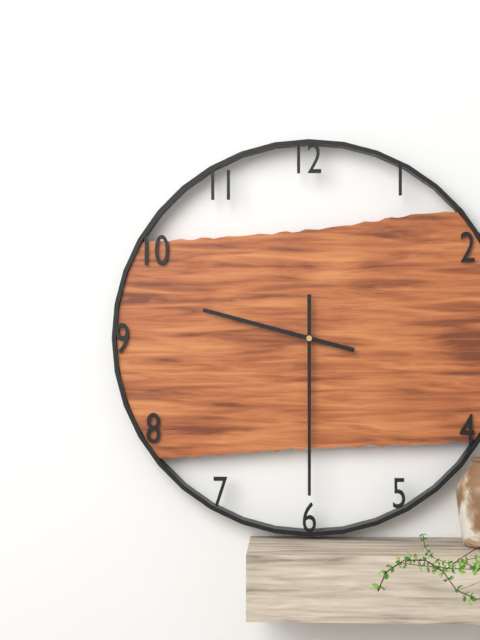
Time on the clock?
9:30
